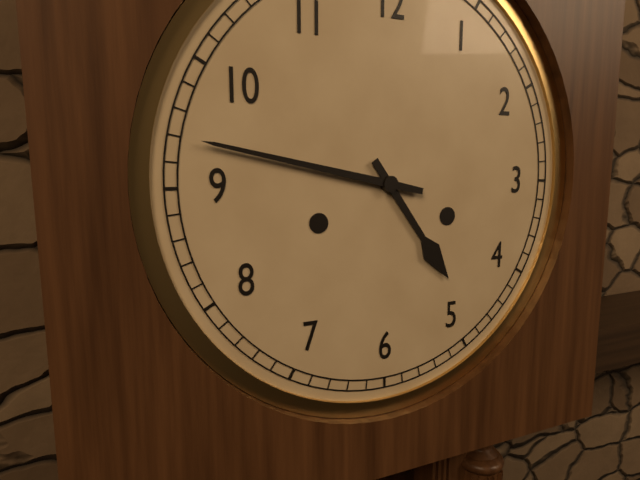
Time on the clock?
4:47
